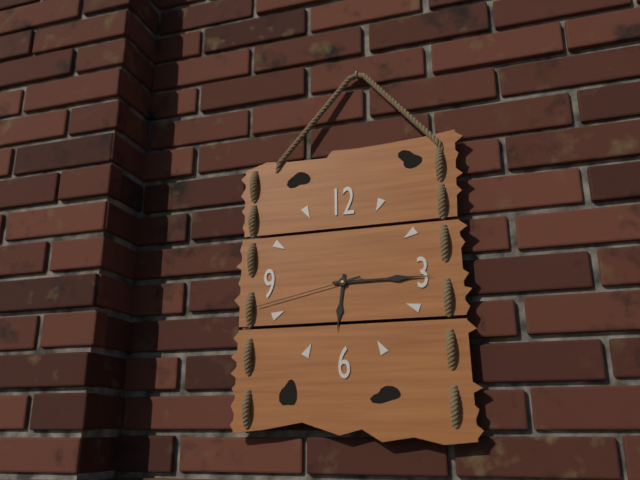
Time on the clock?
6:15:43
